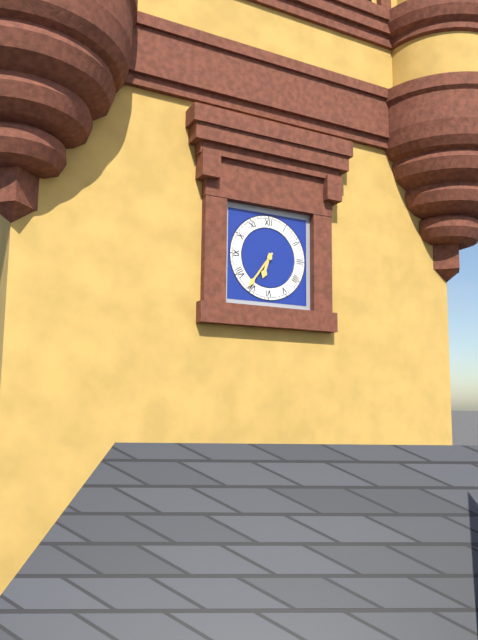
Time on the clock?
6:36
